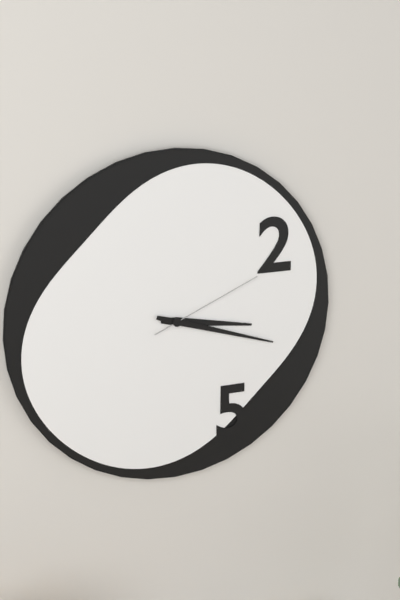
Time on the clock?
3:18:11
